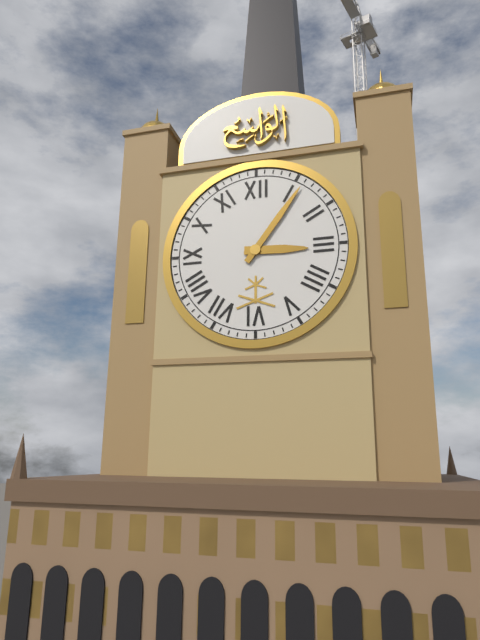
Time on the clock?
3:06
